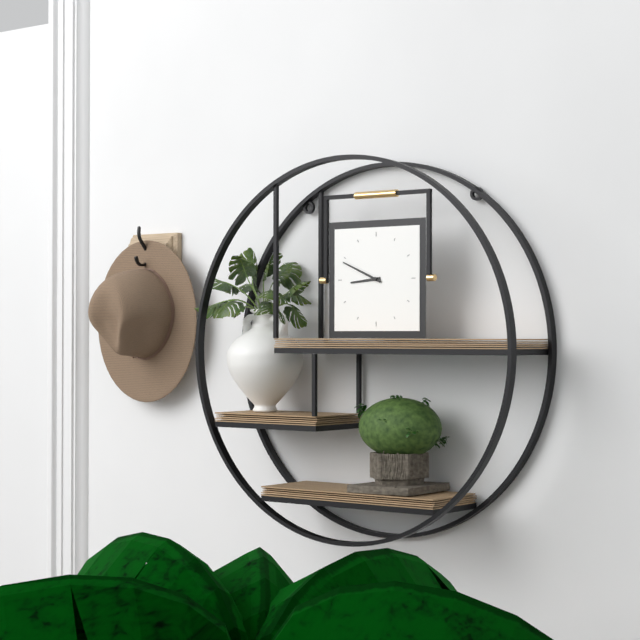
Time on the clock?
8:49
